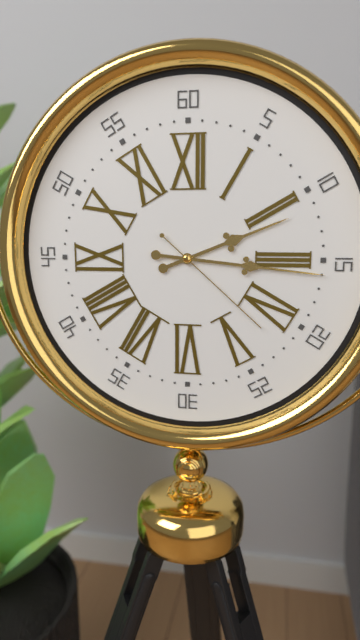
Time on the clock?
2:16:22
